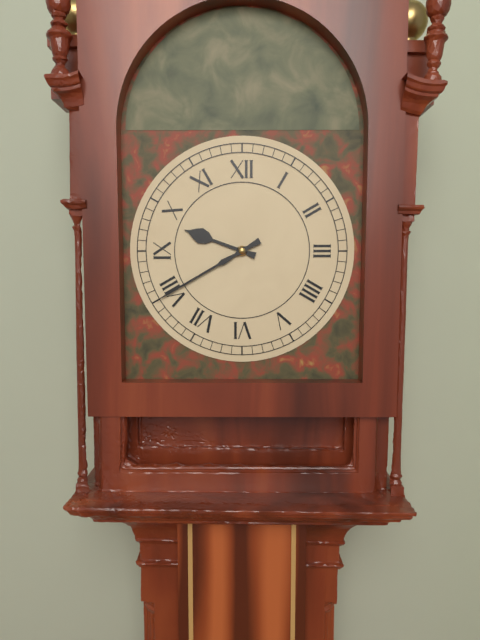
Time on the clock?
9:40
